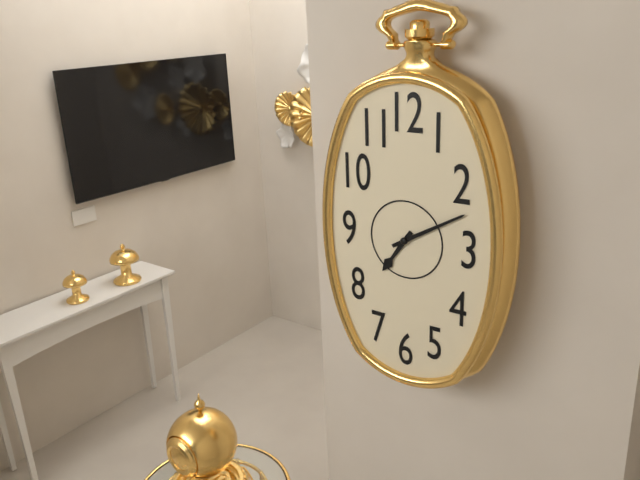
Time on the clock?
7:10
